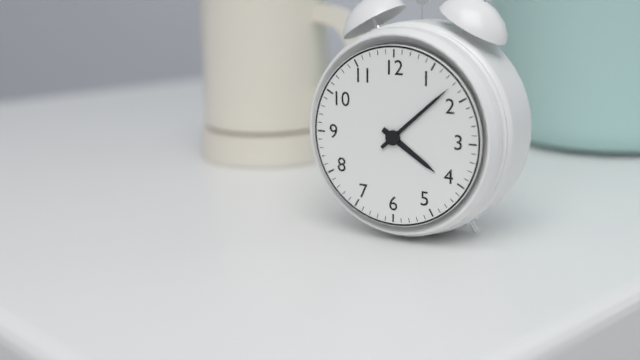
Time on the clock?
4:08
